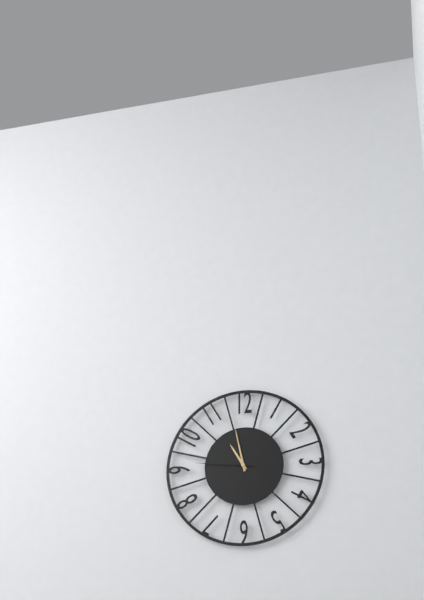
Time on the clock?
10:58:46
